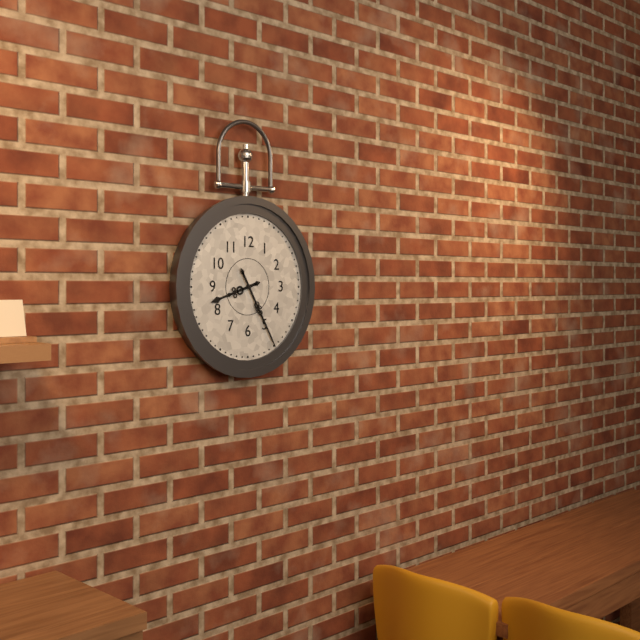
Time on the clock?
8:25
